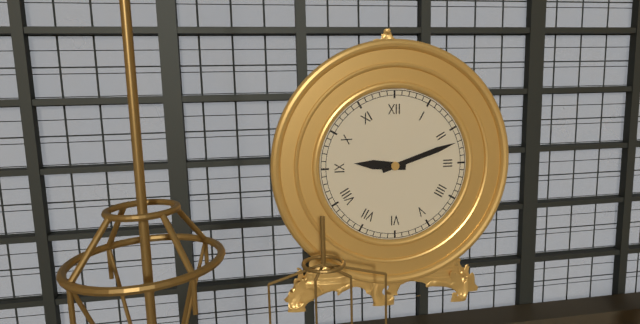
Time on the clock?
9:12
